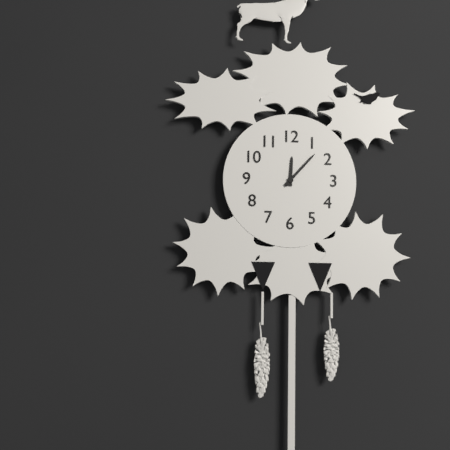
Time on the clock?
12:07
